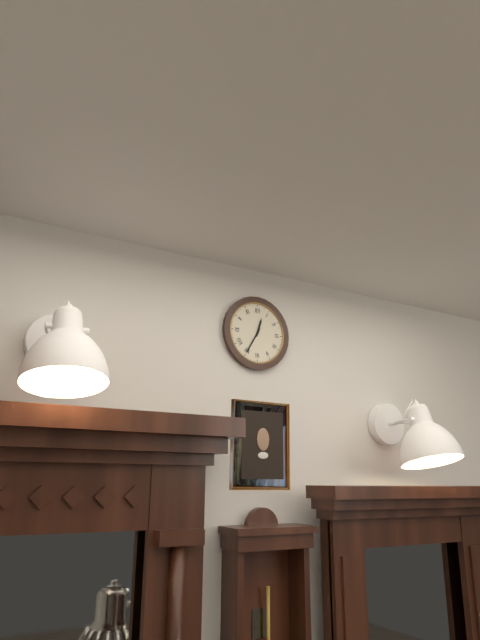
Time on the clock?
12:35
